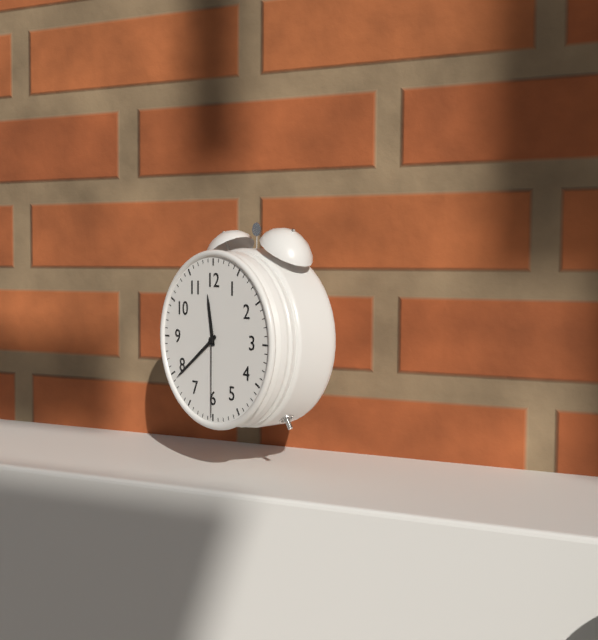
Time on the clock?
11:39:30
